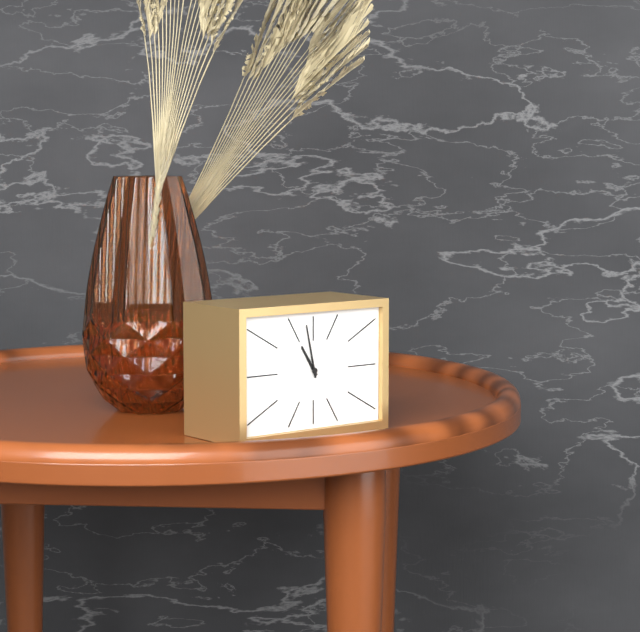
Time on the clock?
10:58
